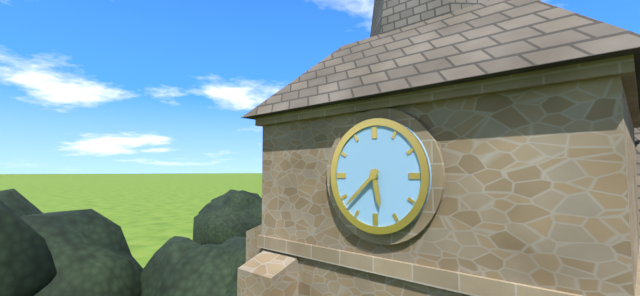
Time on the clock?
5:38
